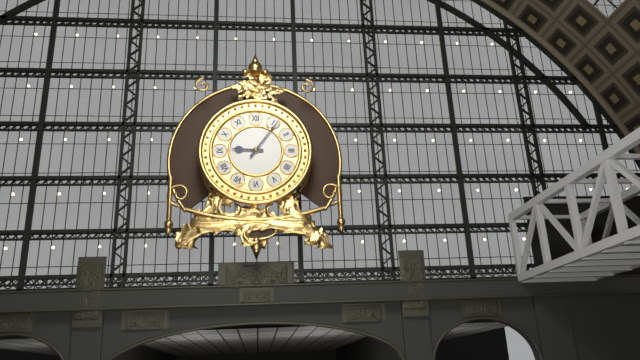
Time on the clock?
9:06
